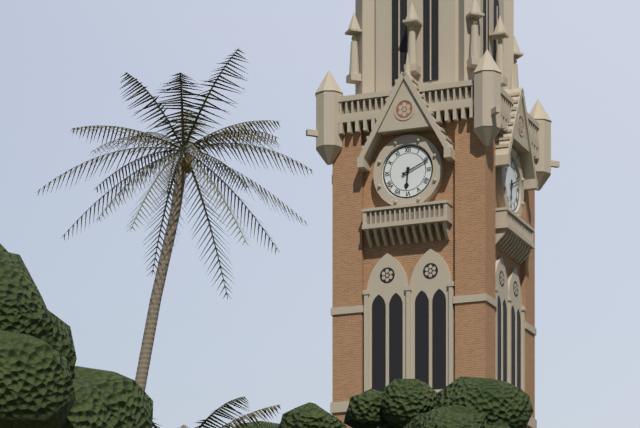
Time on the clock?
6:11
